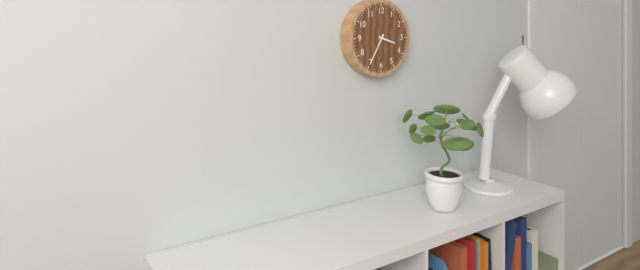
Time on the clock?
3:35
